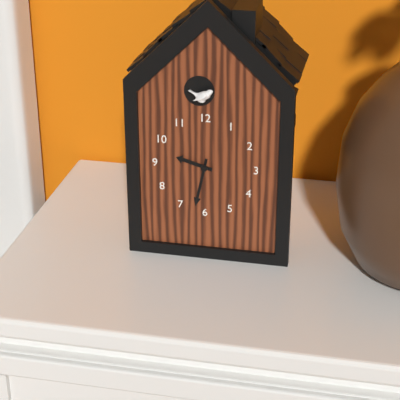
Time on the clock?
9:32
